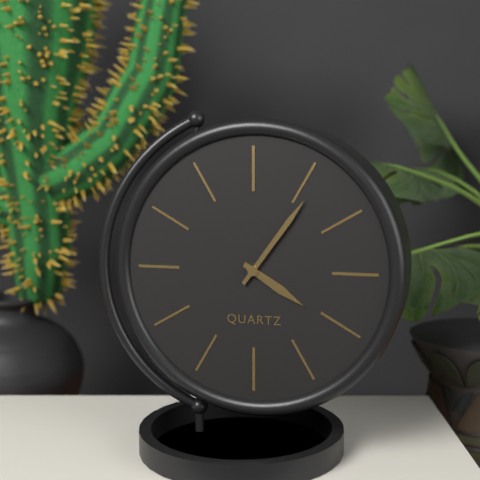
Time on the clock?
4:06
